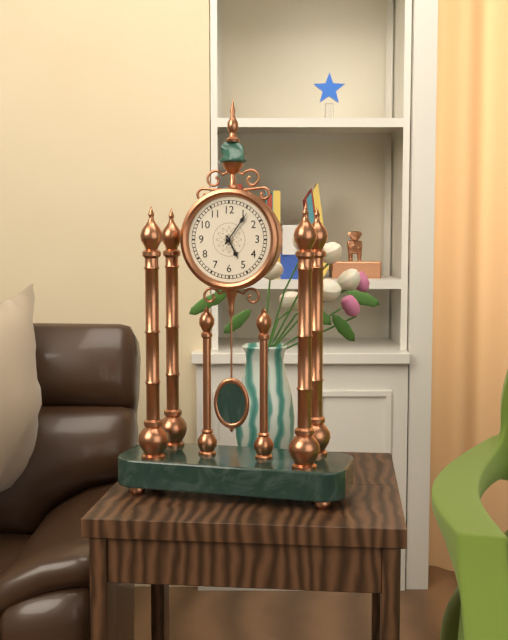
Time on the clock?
5:06
